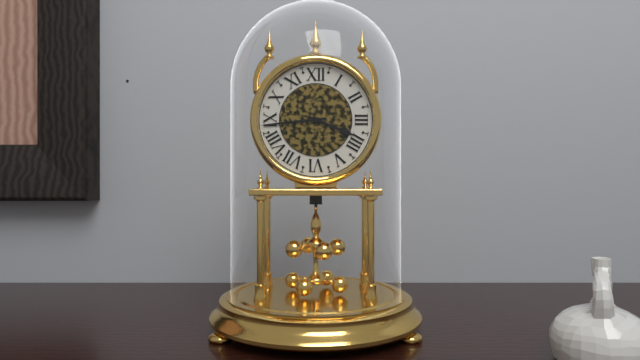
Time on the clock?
3:44
